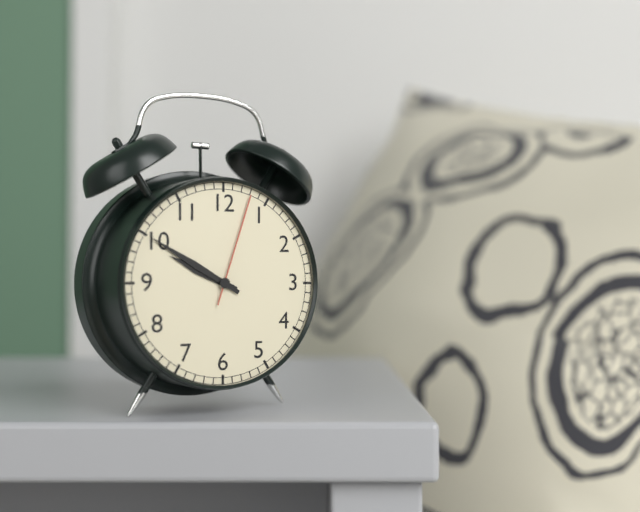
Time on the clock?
9:50:03
